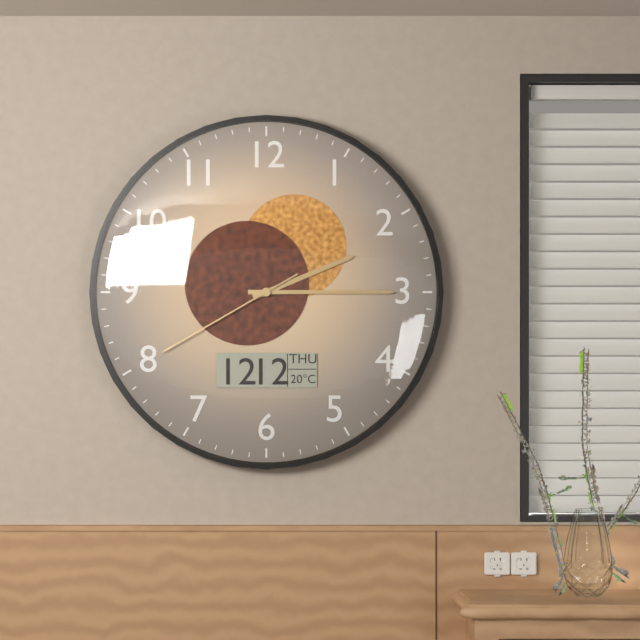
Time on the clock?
2:15:40
